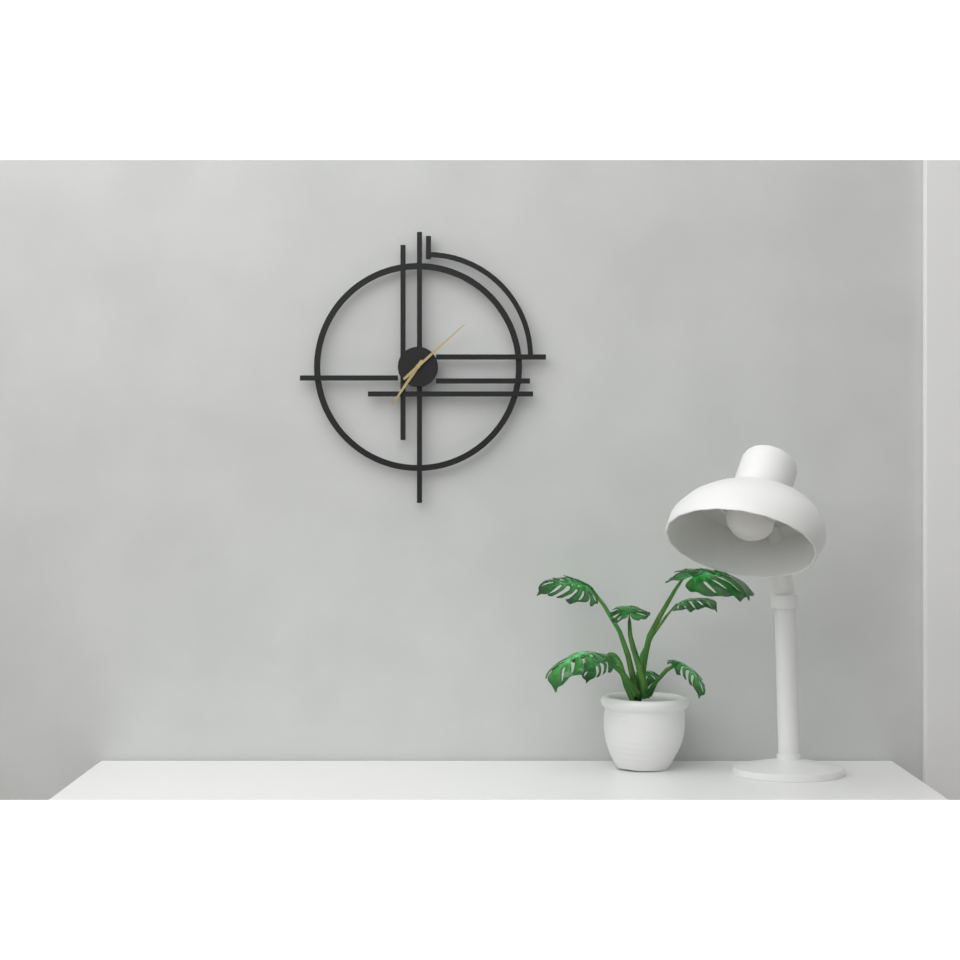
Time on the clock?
7:08
